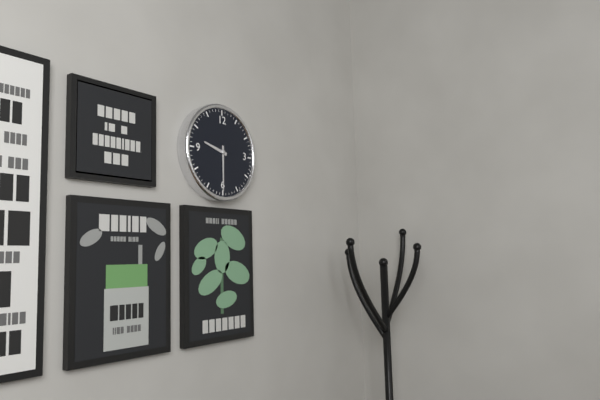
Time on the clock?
9:30
